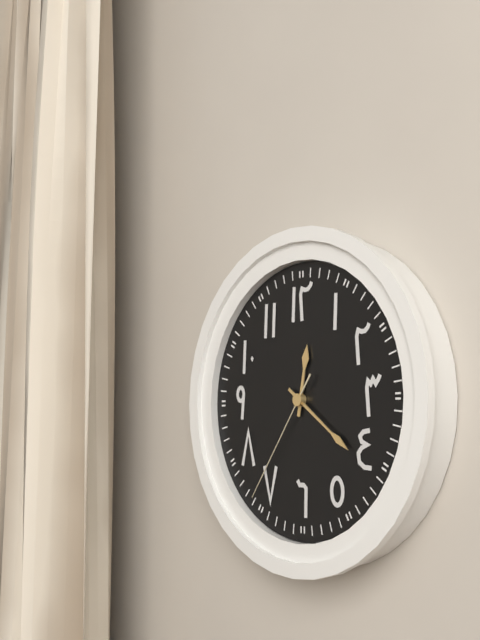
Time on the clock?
12:21:36
